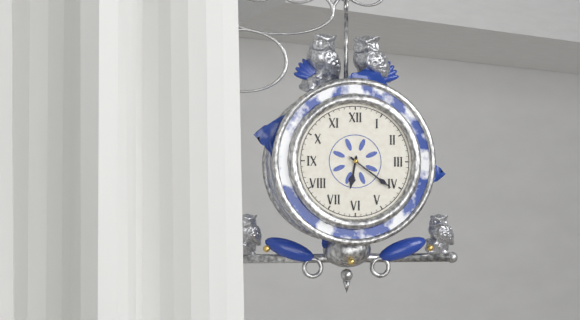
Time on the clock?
6:21
